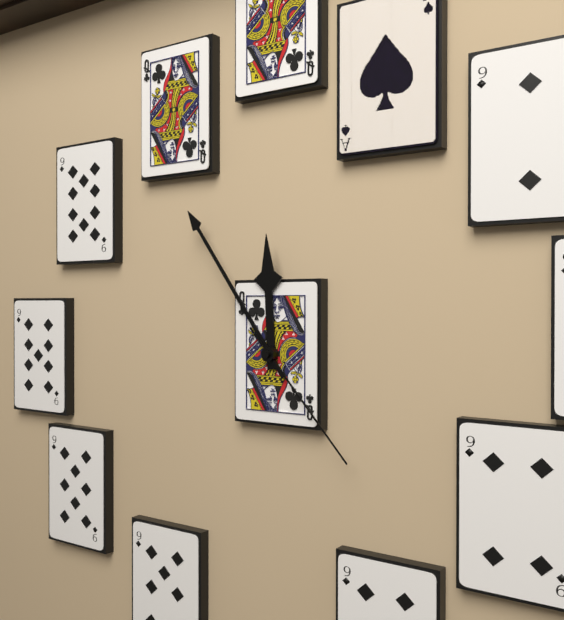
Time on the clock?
11:54:23
